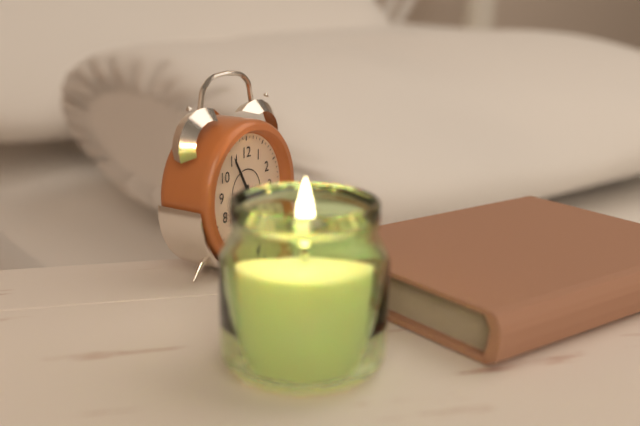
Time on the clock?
5:55
